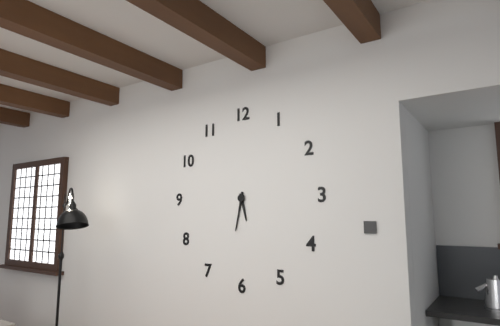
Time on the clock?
5:32
